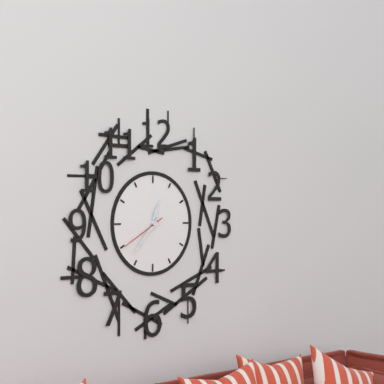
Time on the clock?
12:37
